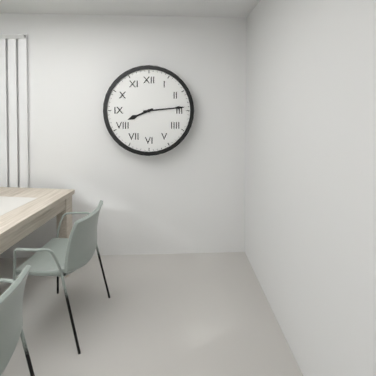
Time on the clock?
8:14
